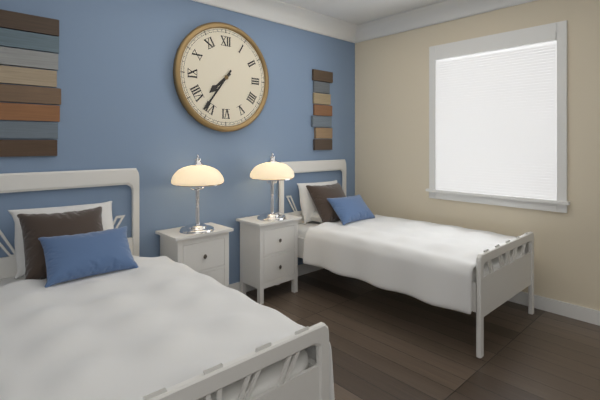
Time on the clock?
7:36
